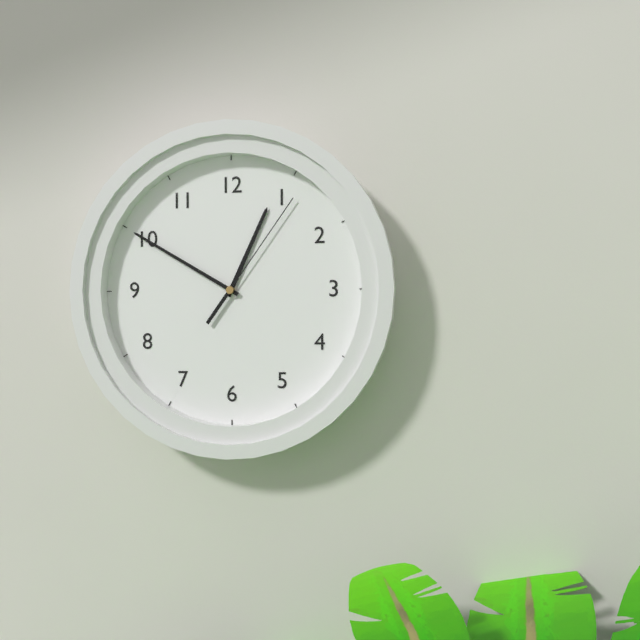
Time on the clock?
12:50:06
